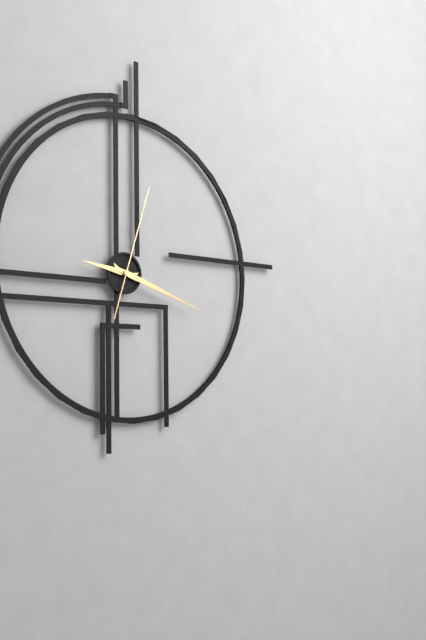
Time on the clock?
9:18:03
